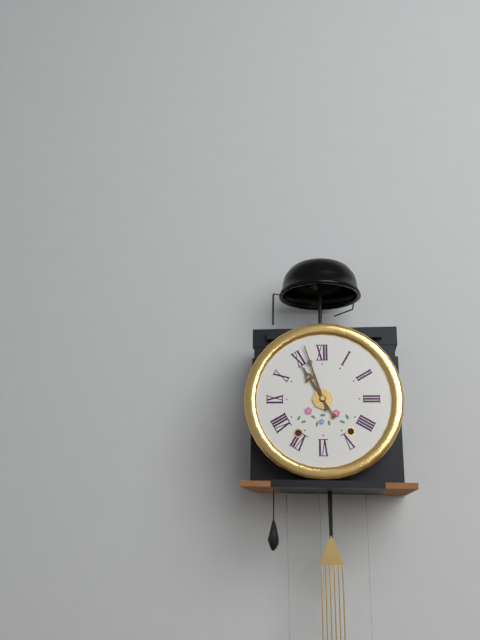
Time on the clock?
10:57
